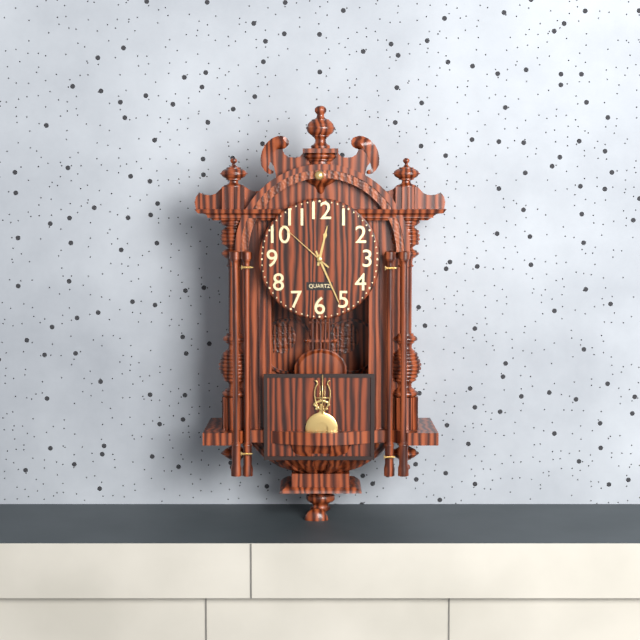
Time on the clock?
12:26:52
